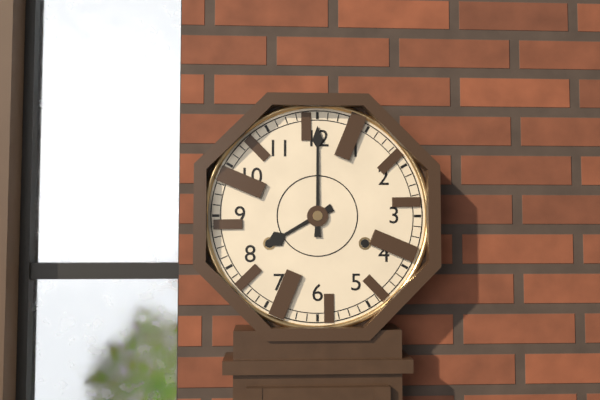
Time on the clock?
8:00
